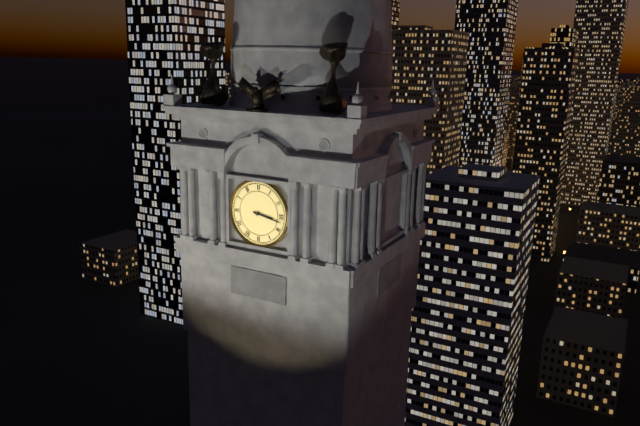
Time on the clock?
3:17
